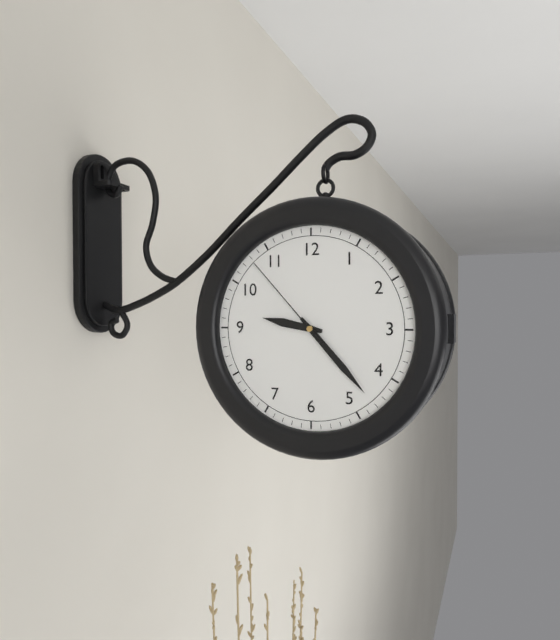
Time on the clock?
9:23:53
